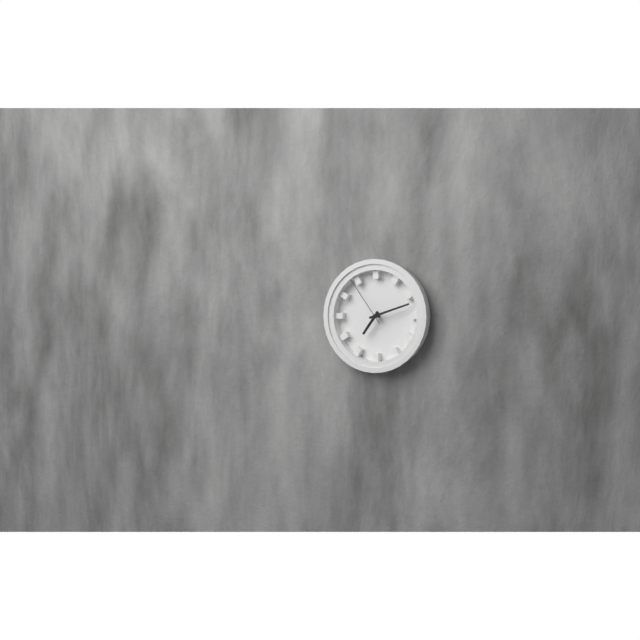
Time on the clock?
7:12:54
